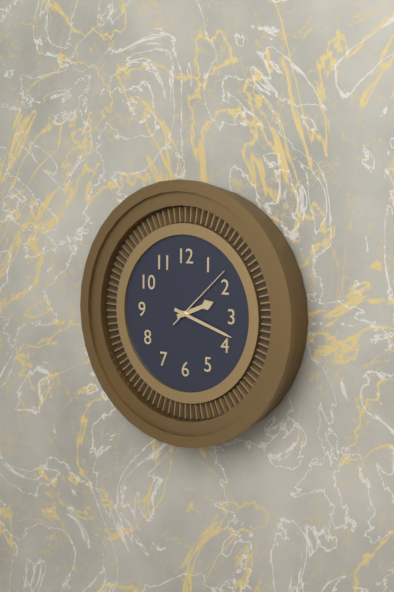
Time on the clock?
2:18:08
